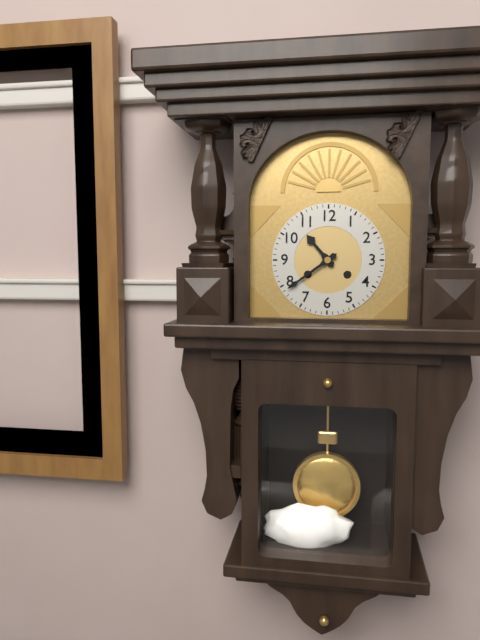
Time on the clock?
10:39
